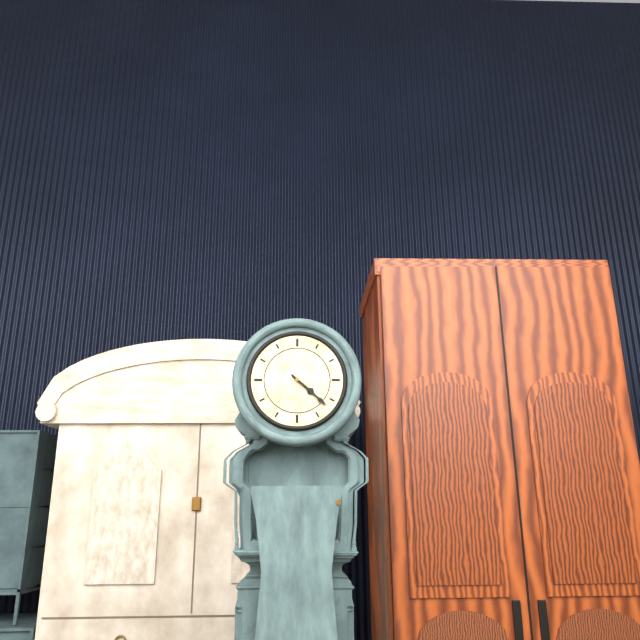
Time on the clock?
4:22
